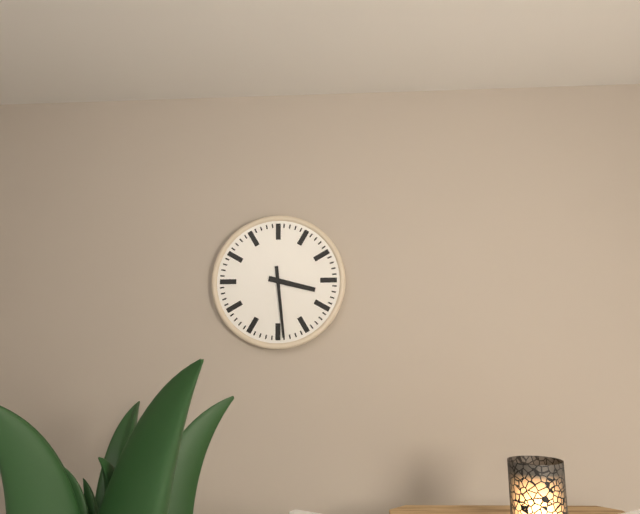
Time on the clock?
3:29
